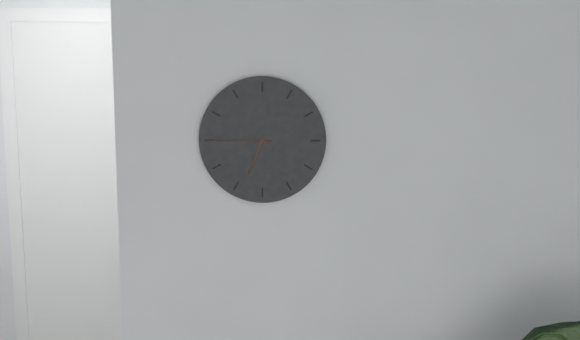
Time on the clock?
6:45
